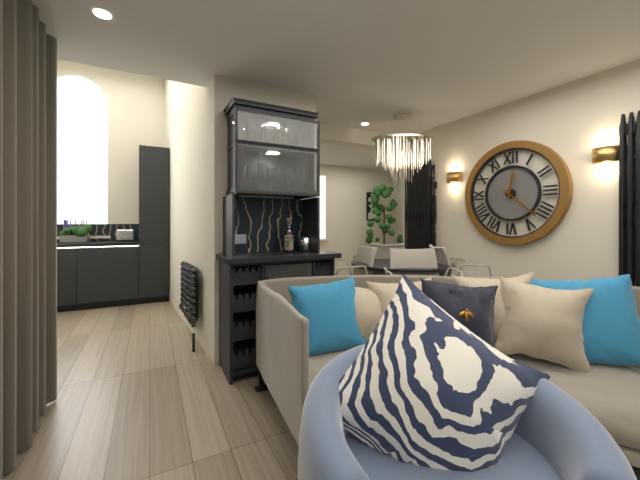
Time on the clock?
12:22
